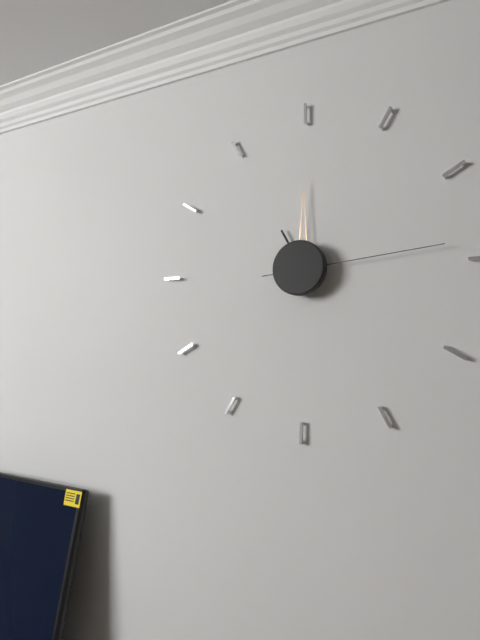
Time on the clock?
11:00:14
